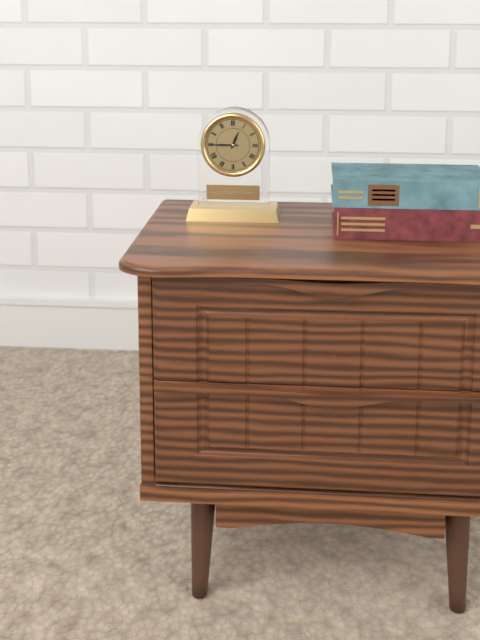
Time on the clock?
12:45
